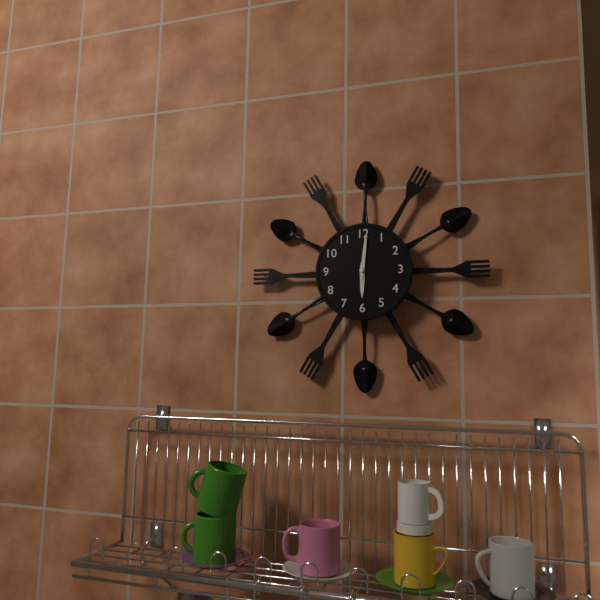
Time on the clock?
6:01
